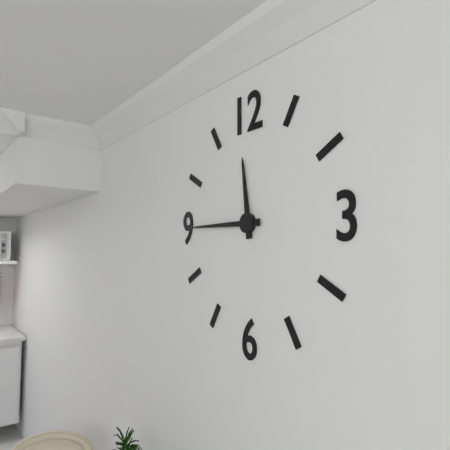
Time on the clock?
11:45
